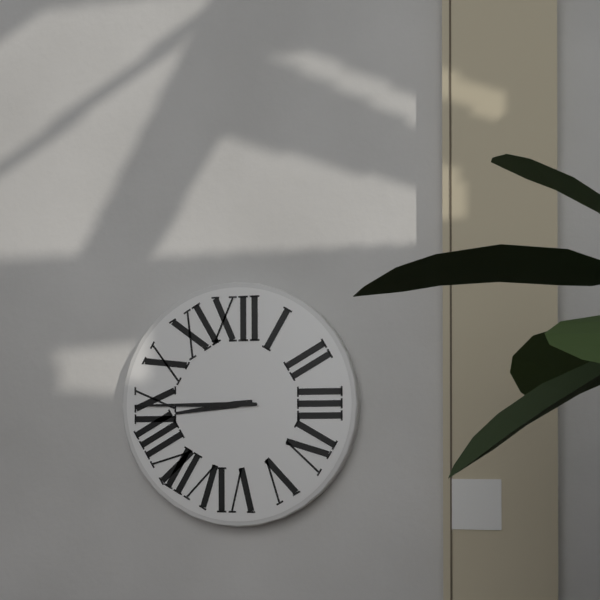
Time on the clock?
8:45
